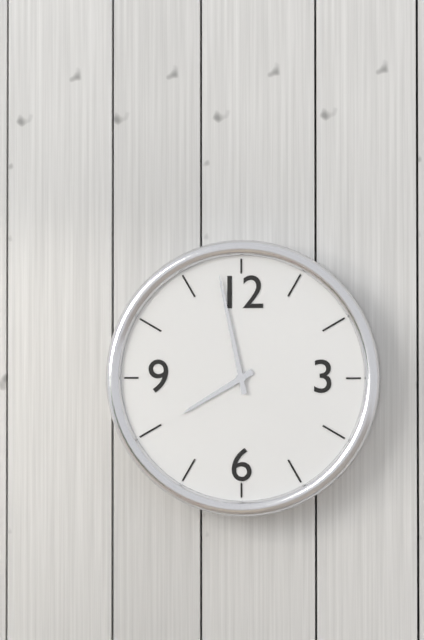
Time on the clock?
7:58
